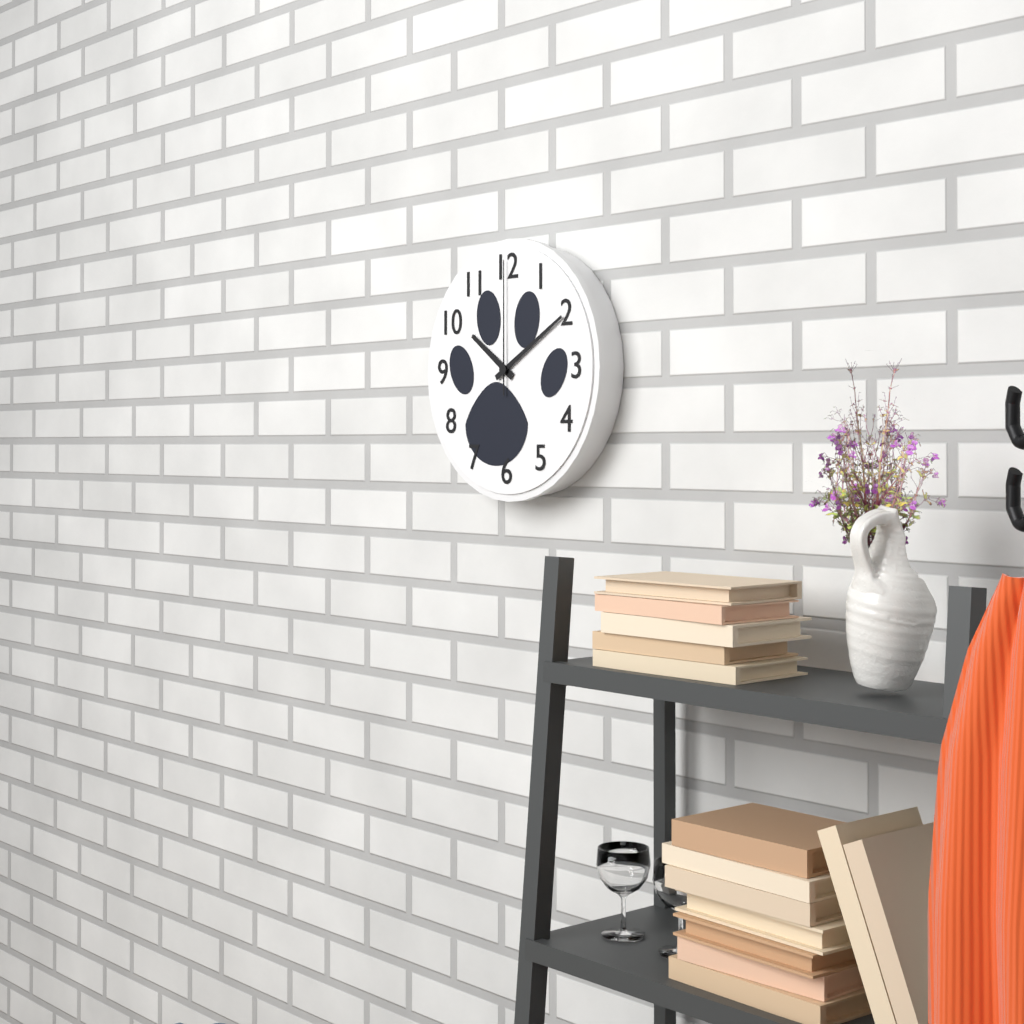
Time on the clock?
10:10:00
